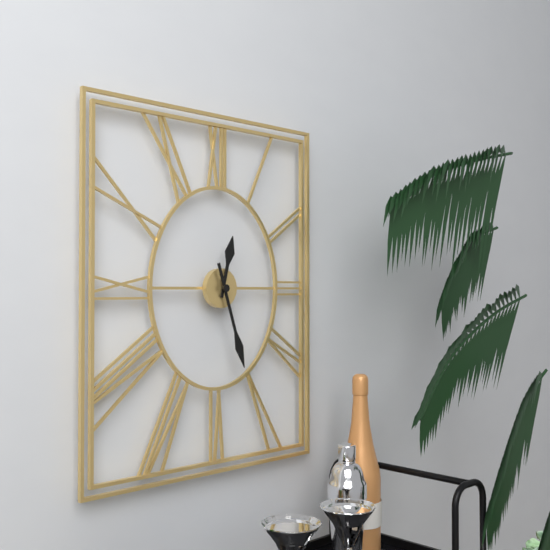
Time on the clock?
12:27
